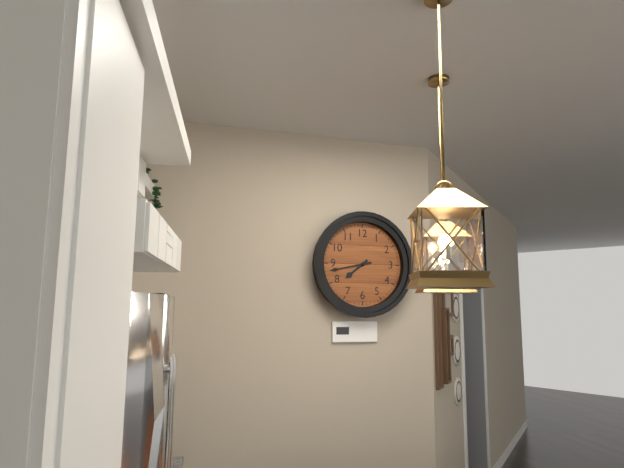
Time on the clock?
7:43
